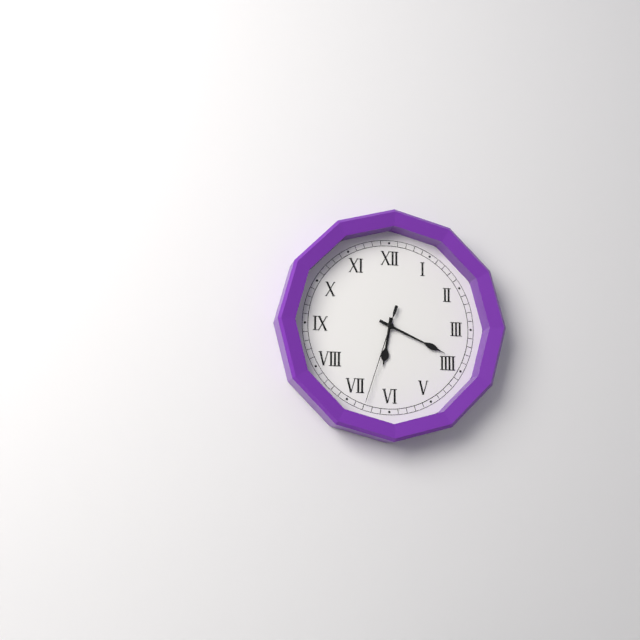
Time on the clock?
6:19:33
